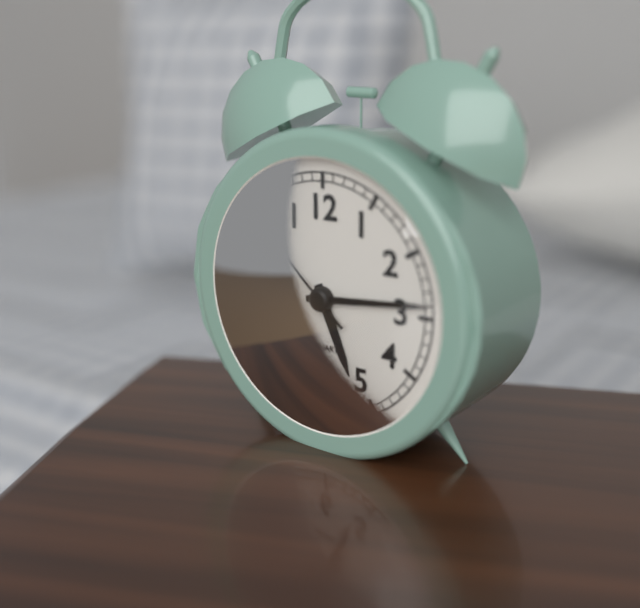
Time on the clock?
5:14:52
